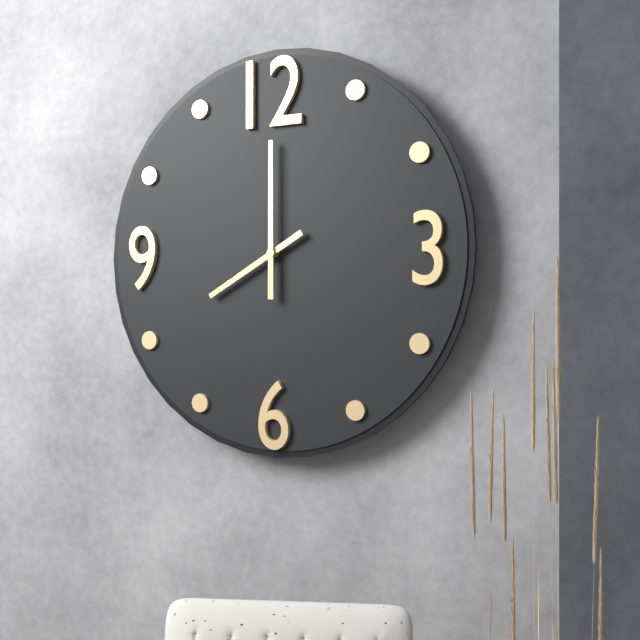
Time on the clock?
8:00
